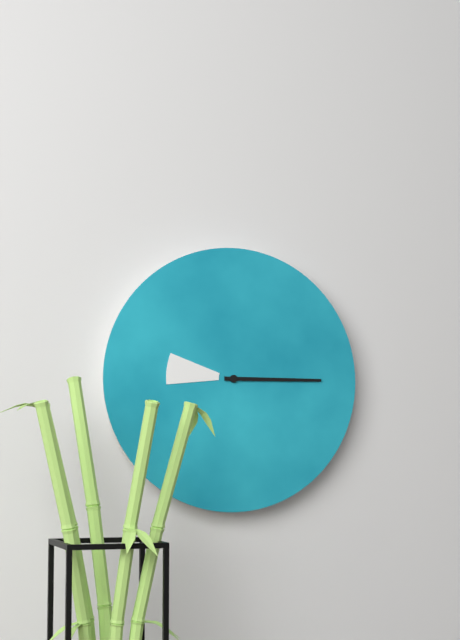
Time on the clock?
9:15
